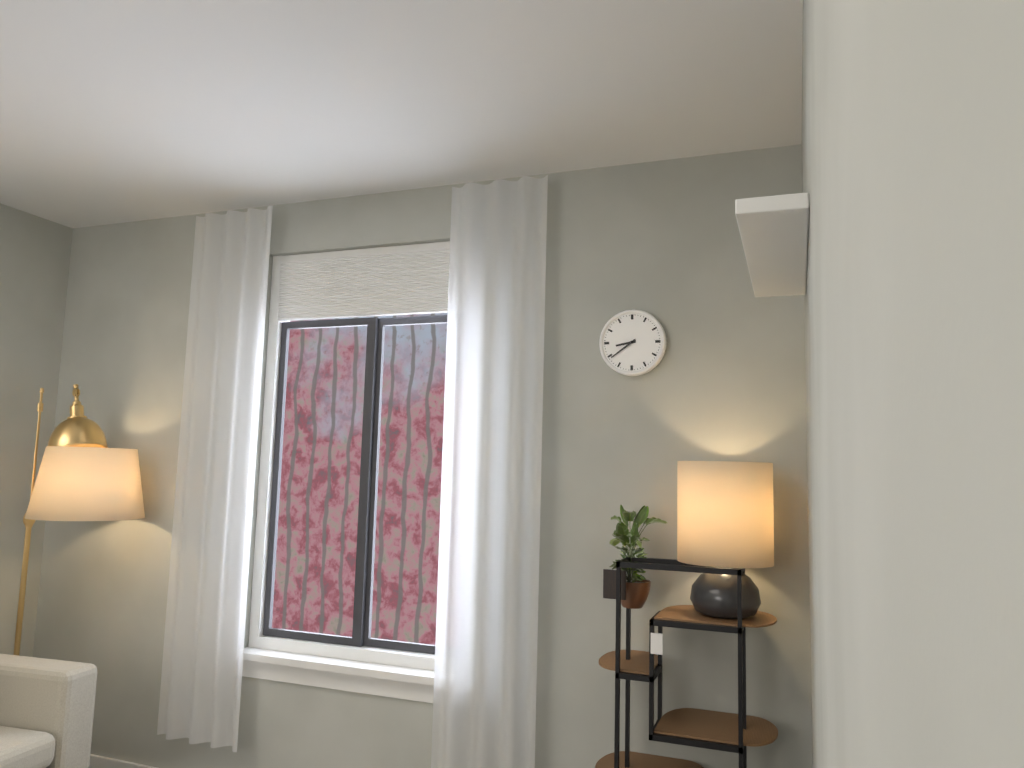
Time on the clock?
8:39
